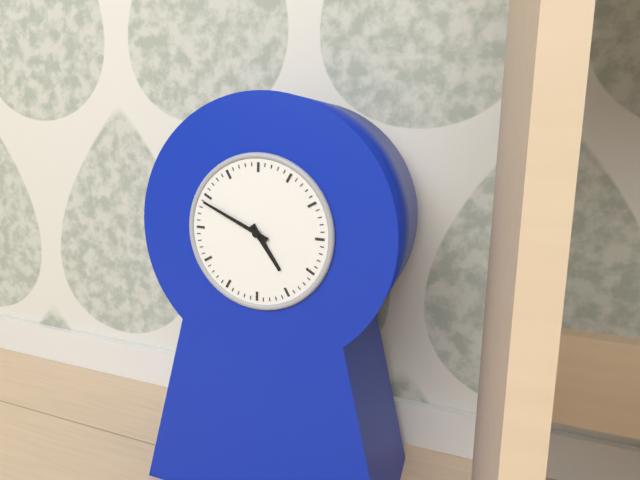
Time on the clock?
4:49
